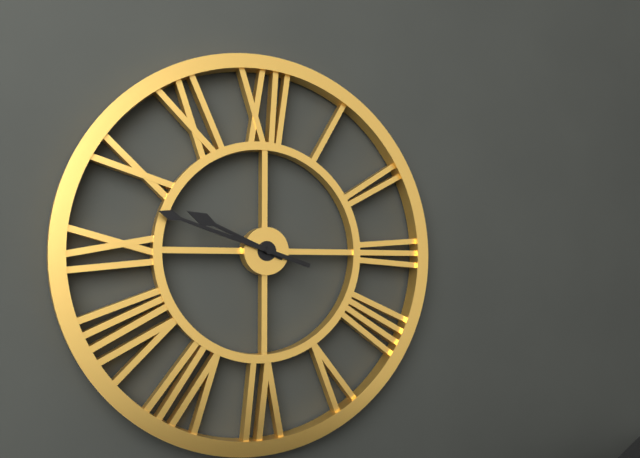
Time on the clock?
9:48
